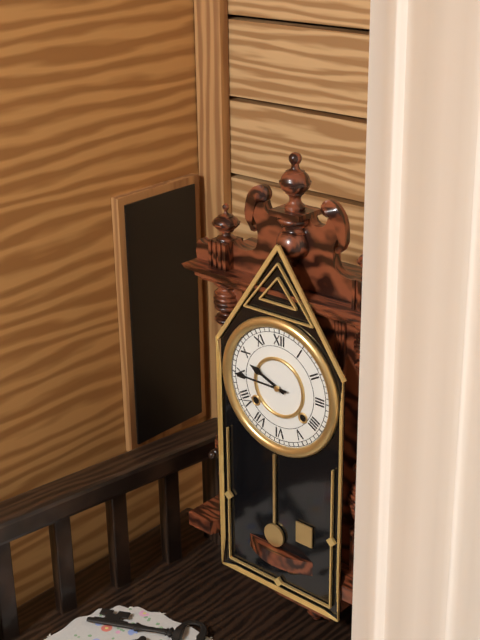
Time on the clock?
9:45
